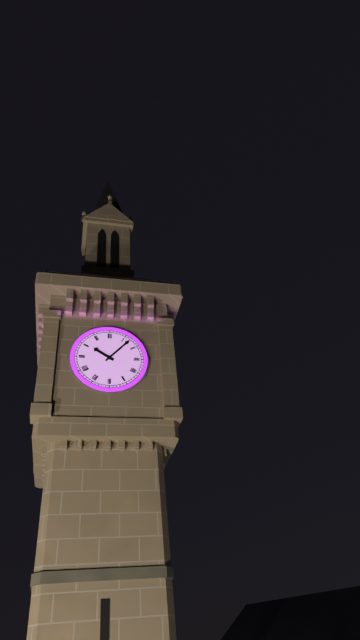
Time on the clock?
10:07
